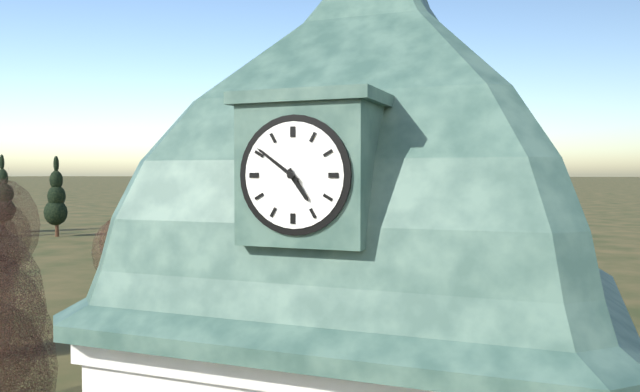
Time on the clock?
4:51
